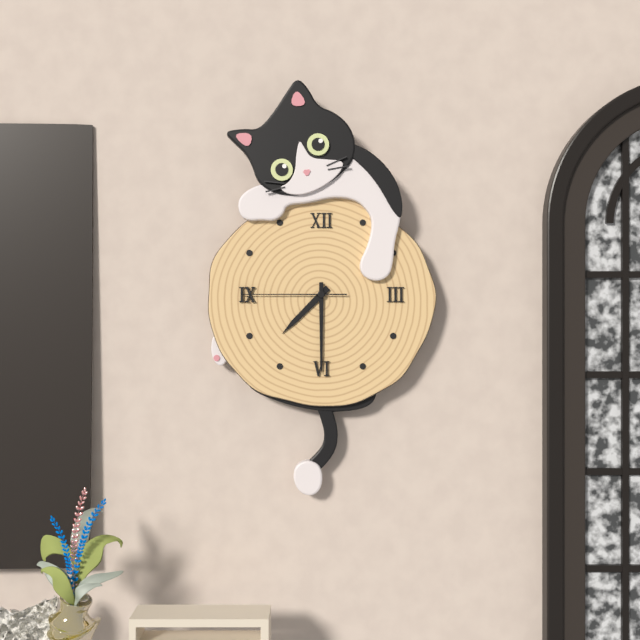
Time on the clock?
7:30:45
